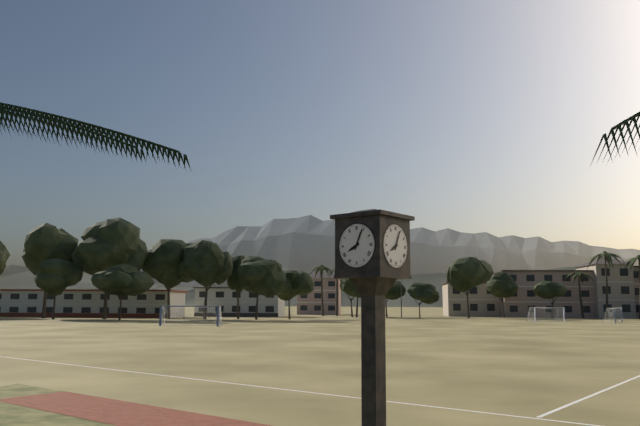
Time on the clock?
8:04
